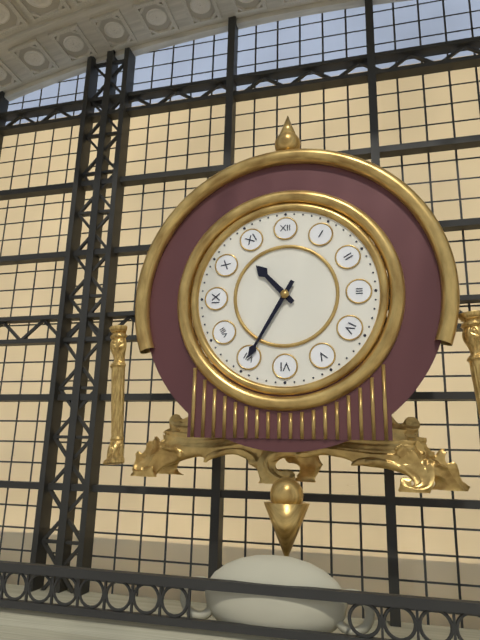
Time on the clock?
10:35
